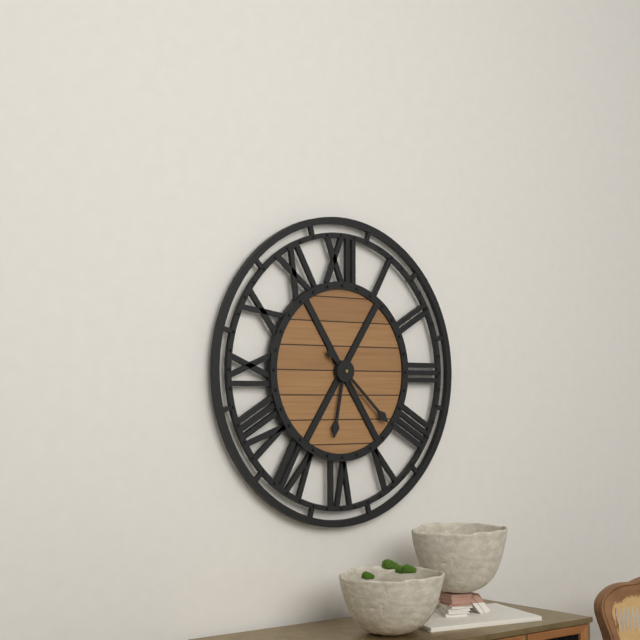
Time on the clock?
6:22
